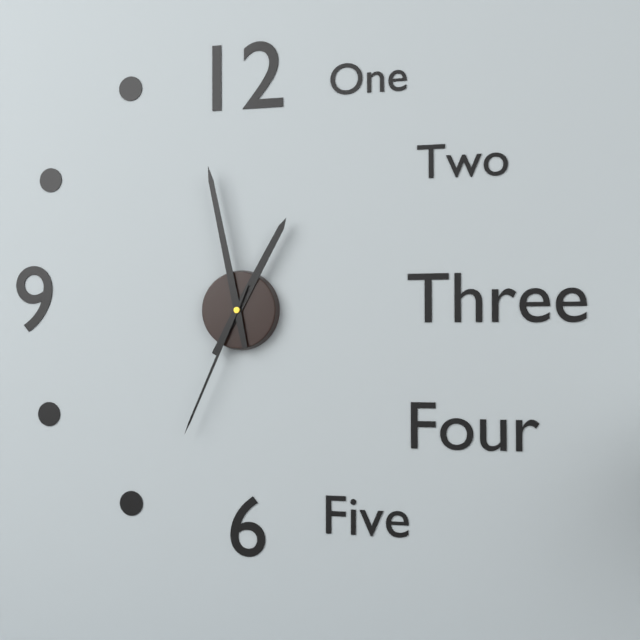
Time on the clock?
12:58:34
